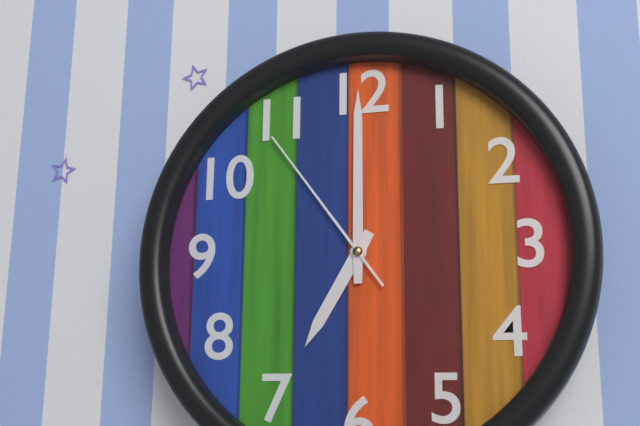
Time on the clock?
7:00:54
